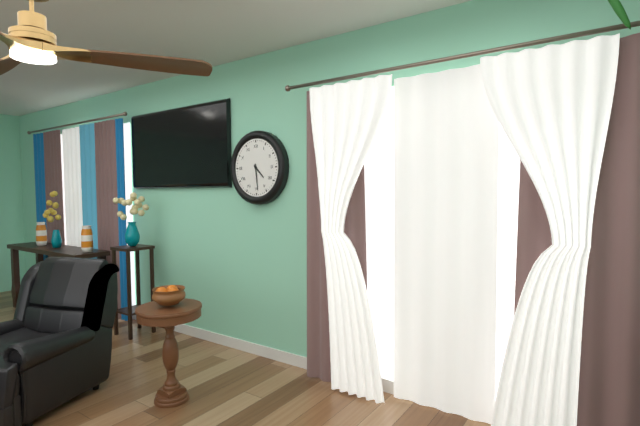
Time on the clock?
4:29
